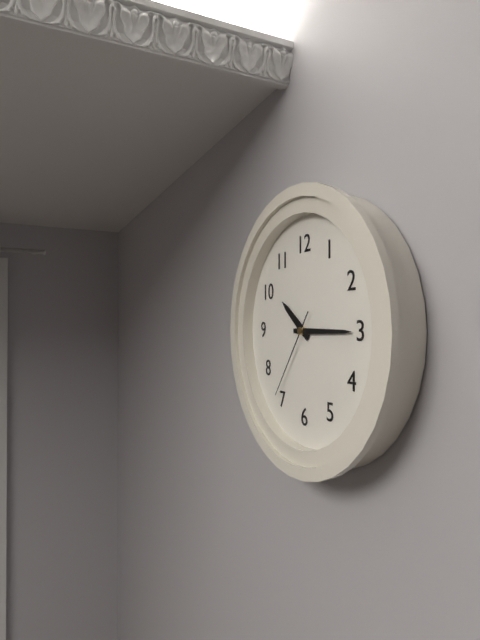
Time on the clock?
10:15:36
